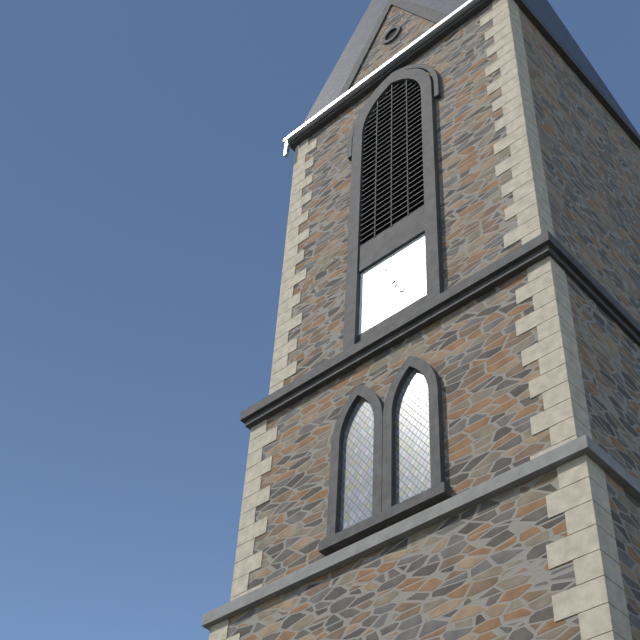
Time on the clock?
4:56
